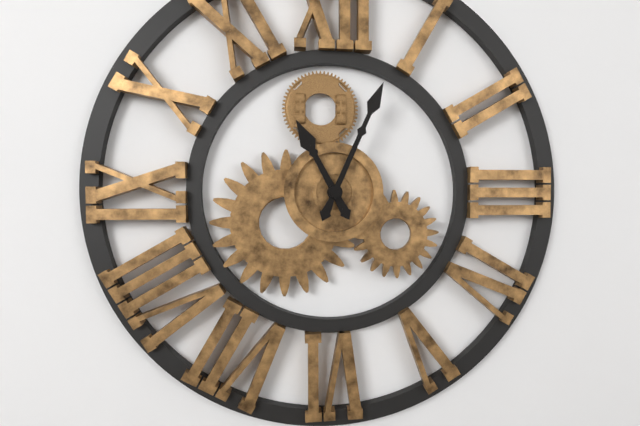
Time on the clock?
11:04
